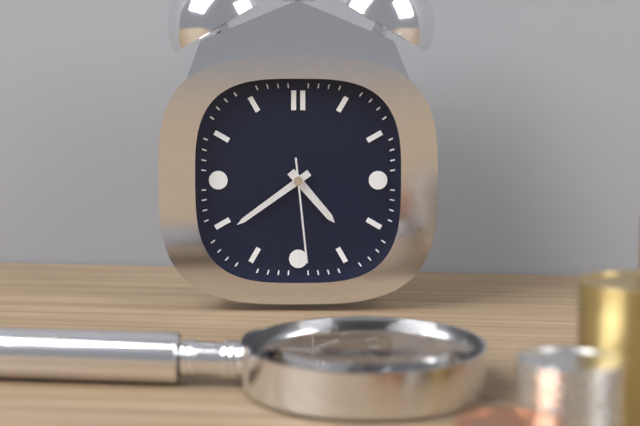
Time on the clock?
4:39:29
